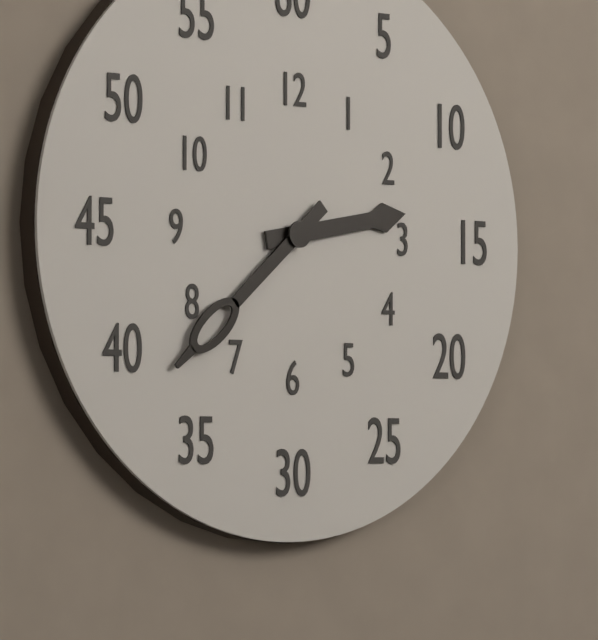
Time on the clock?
2:38
